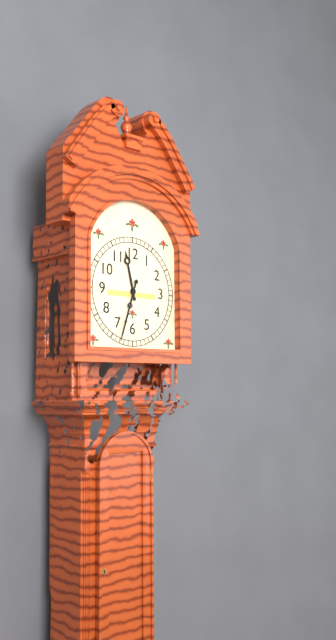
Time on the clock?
11:33
